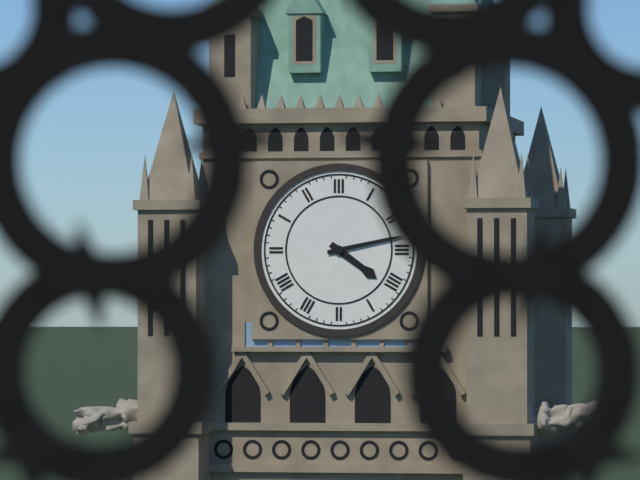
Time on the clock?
4:13
